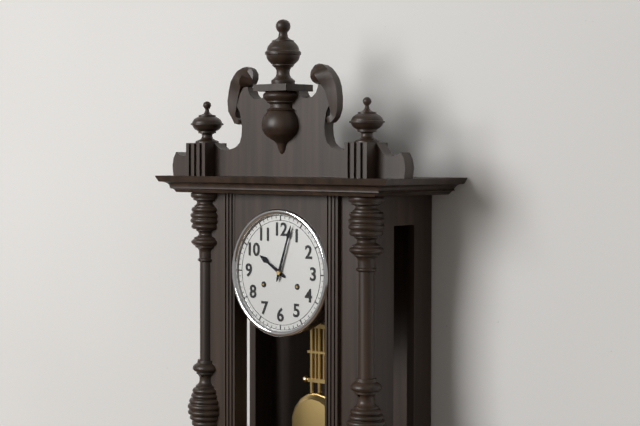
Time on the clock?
10:03
